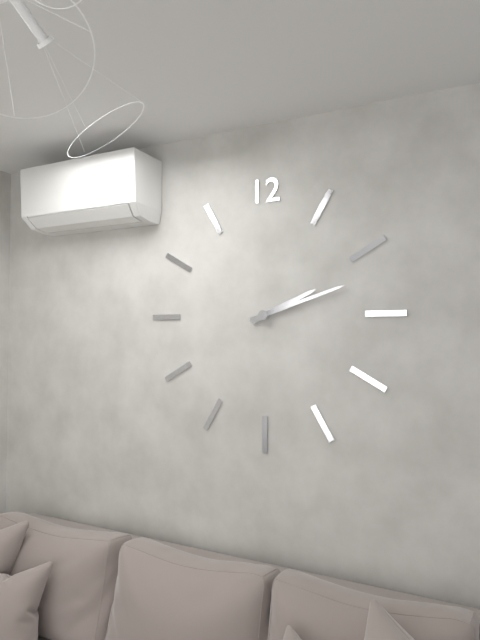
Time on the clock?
2:12
